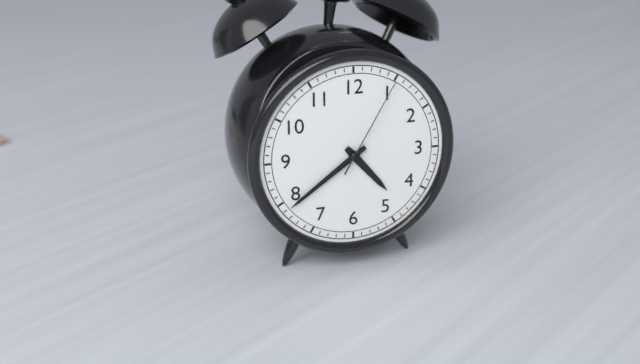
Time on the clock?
4:39:05
